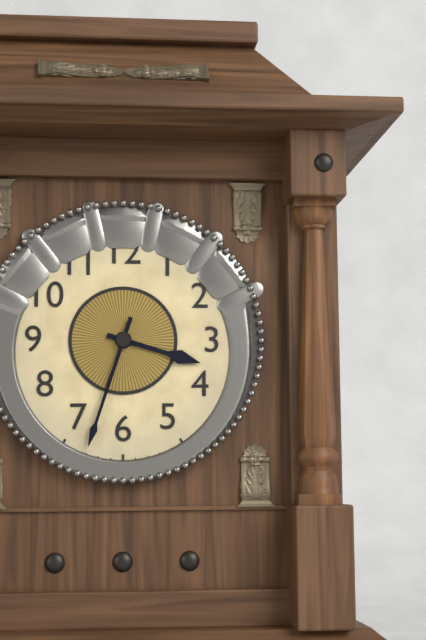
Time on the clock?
3:33
